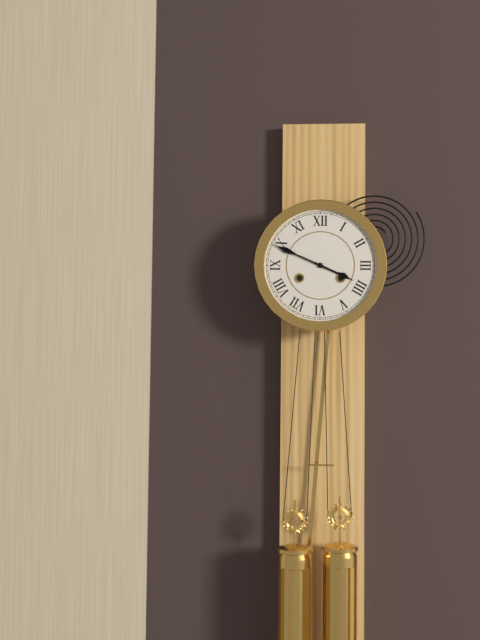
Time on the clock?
3:49
